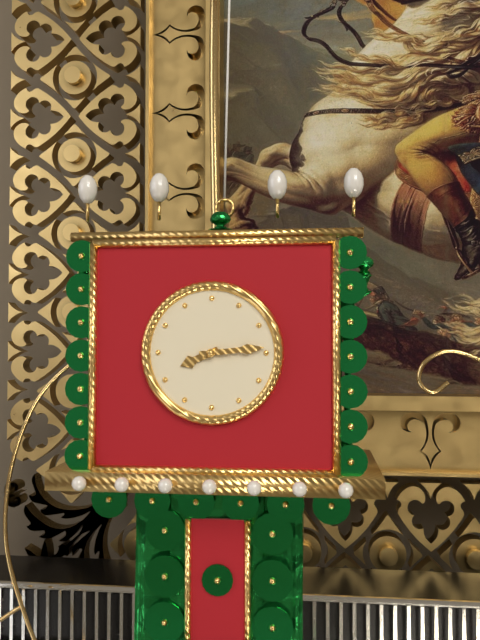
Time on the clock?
8:14
